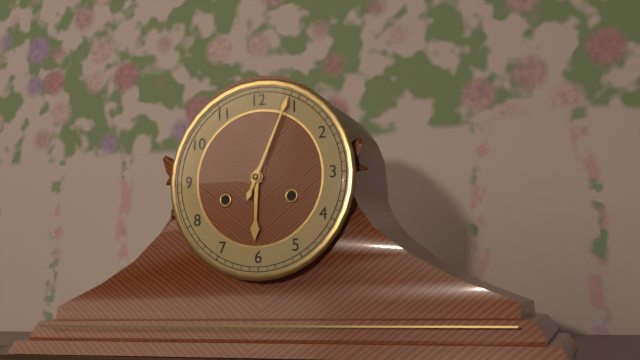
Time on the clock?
6:04
